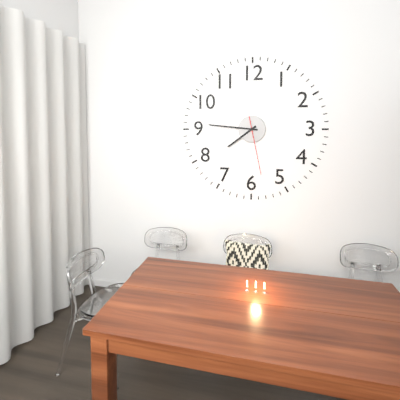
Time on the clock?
7:46:28
